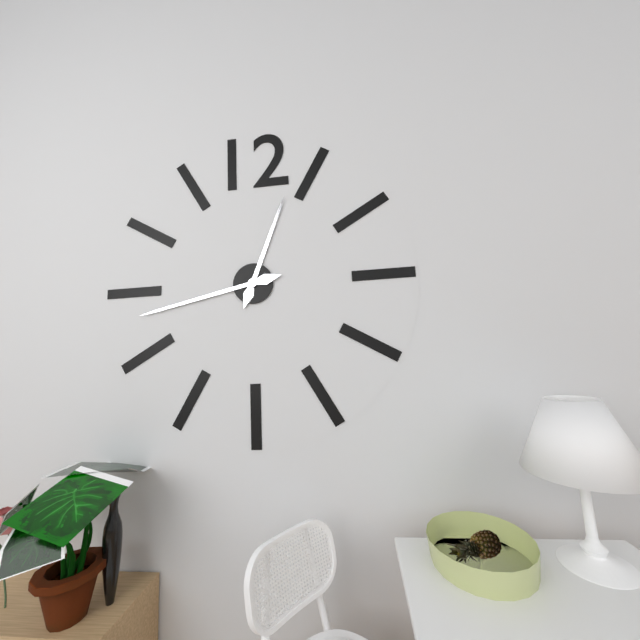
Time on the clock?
12:43
